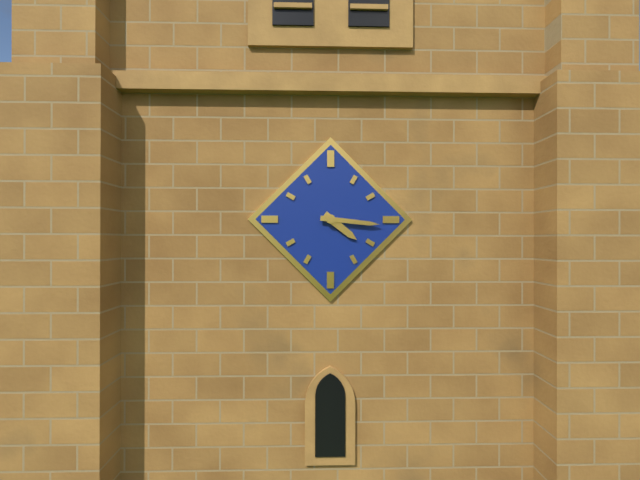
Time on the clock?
4:16
